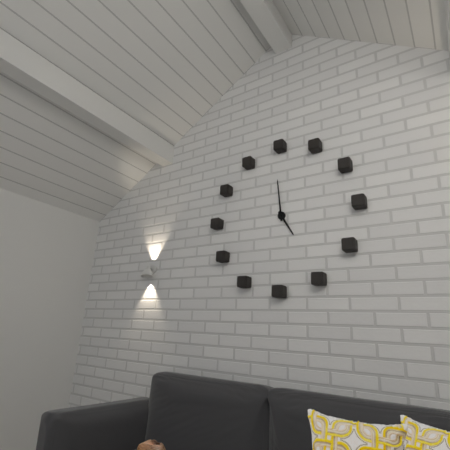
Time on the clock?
4:59
